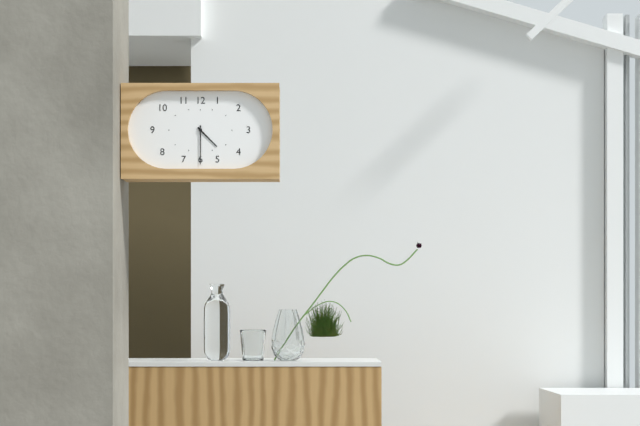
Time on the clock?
4:30
